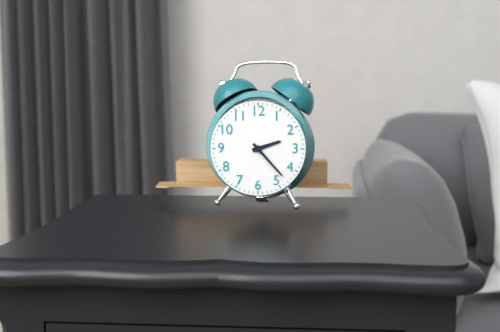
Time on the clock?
2:23
